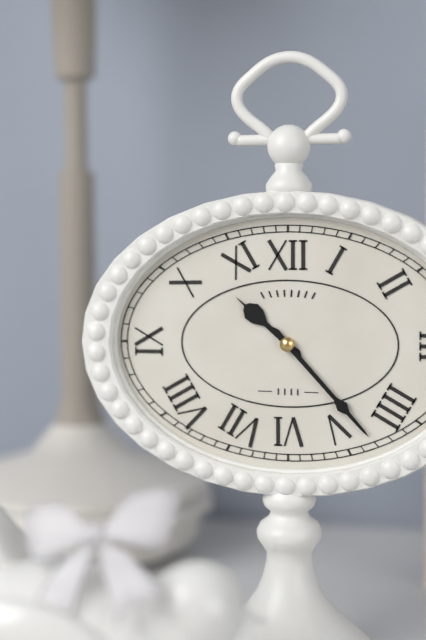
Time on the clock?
10:23
